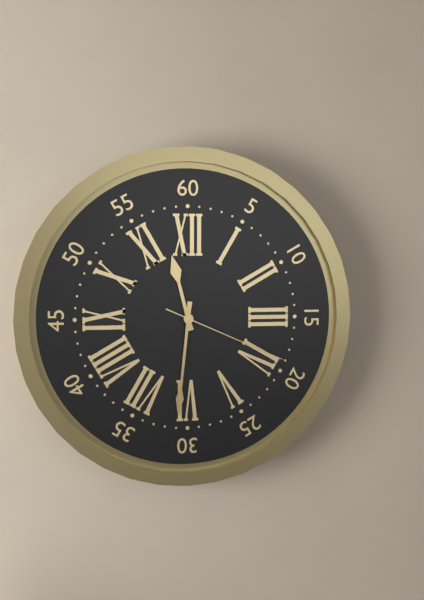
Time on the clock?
11:31:19
